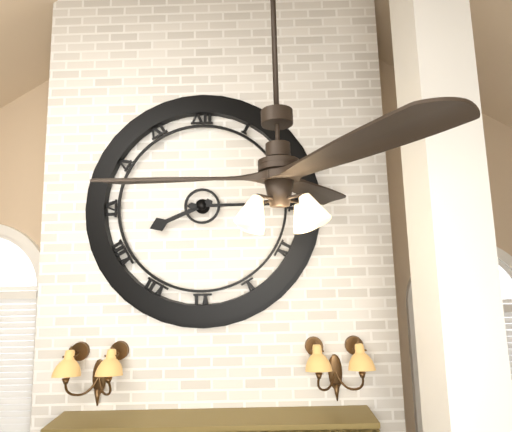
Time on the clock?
8:15
